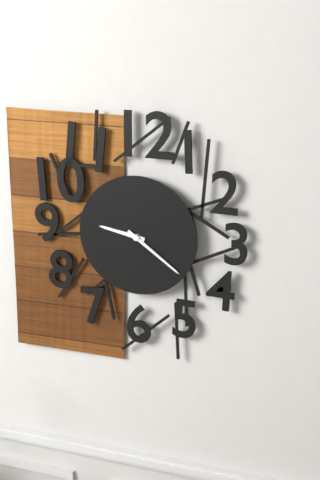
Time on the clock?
9:21
